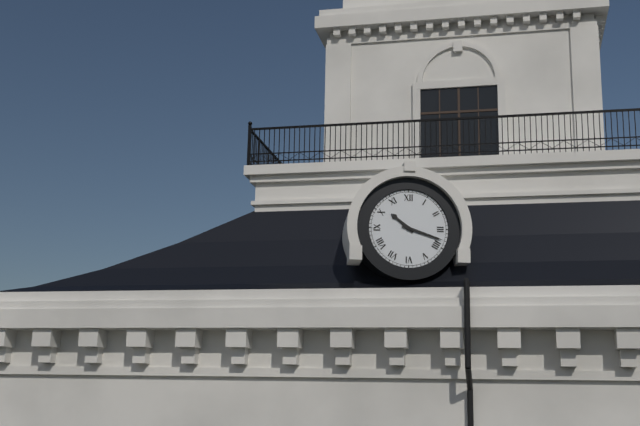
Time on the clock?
10:18
